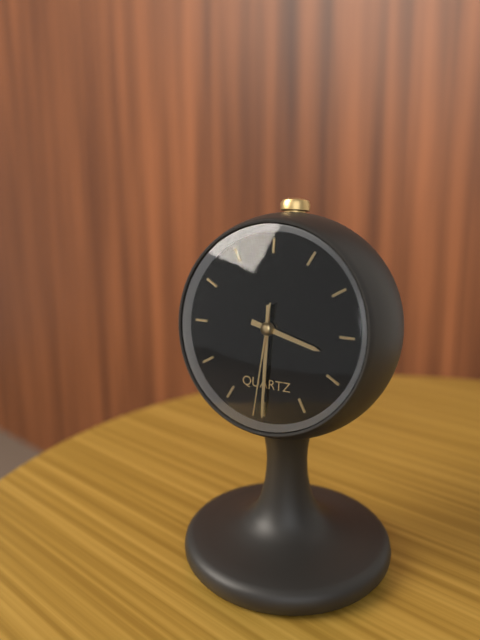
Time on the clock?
3:30:31
